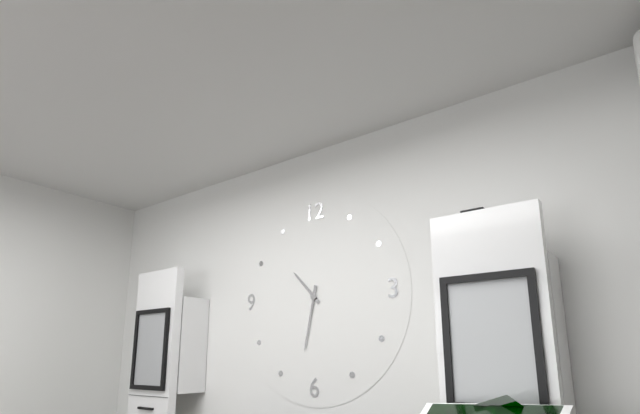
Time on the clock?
10:32
